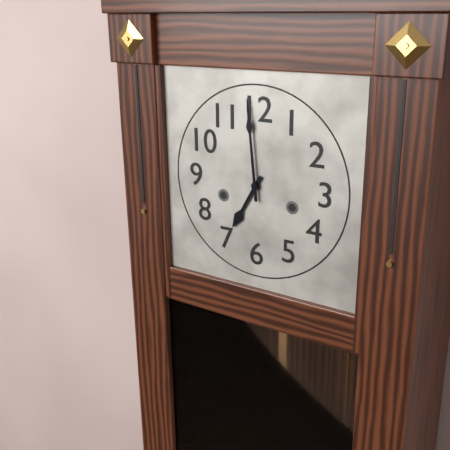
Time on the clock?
6:59
